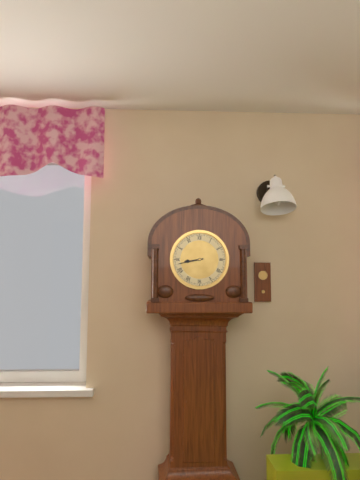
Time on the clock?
8:43
